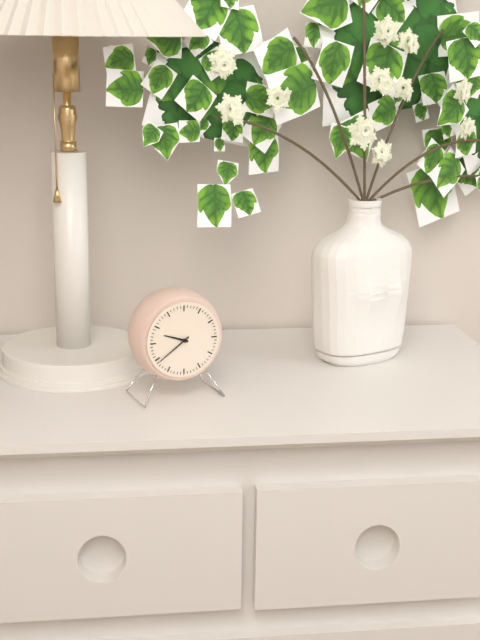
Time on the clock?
9:39
